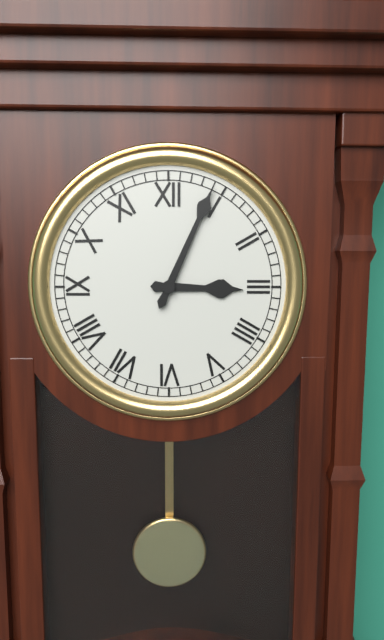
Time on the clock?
3:04
